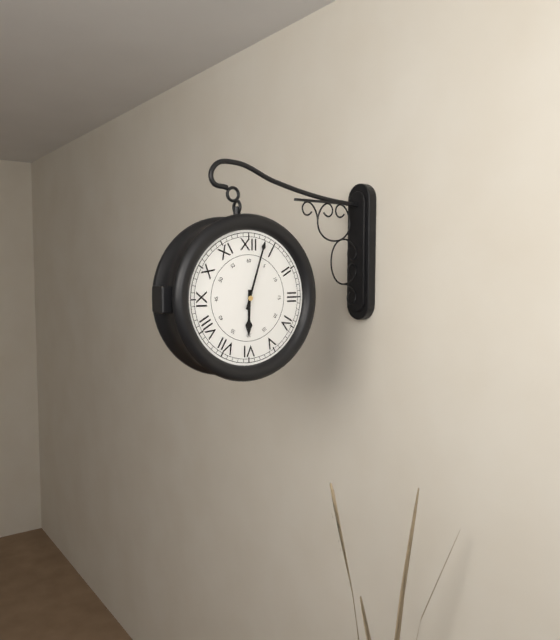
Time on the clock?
6:03
